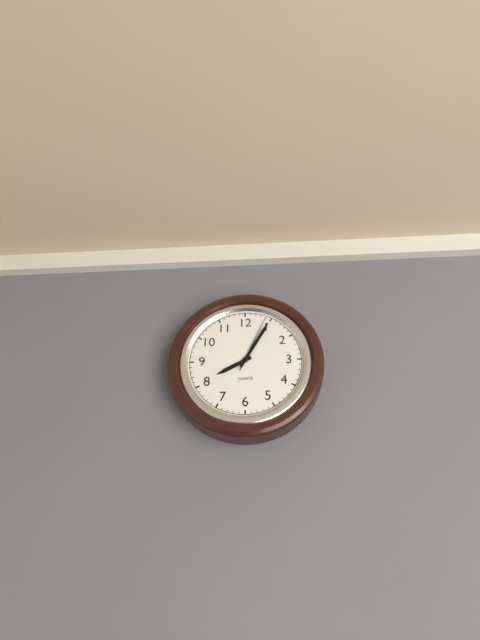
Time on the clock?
8:05:04
